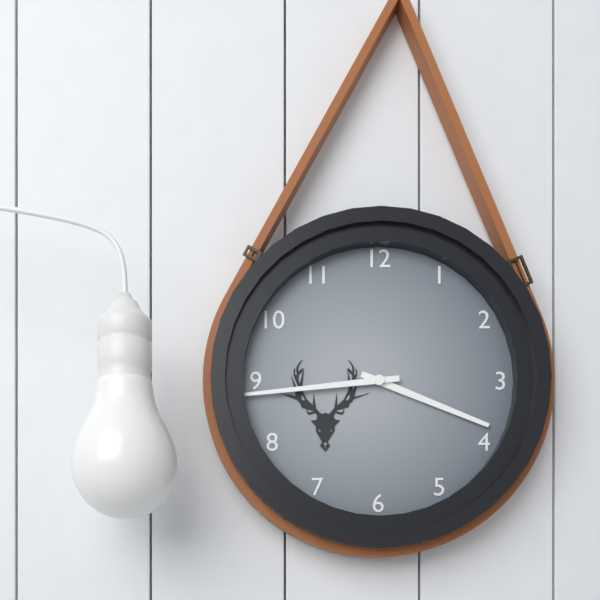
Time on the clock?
3:44
